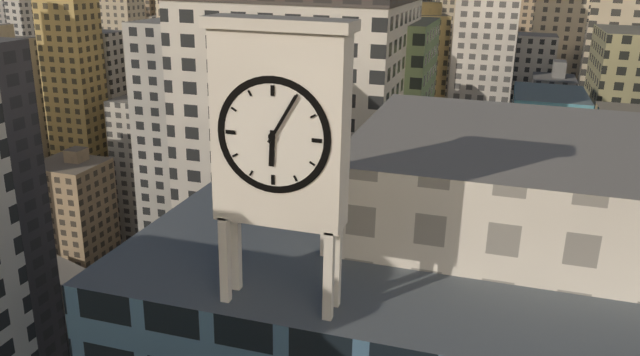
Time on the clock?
6:05
